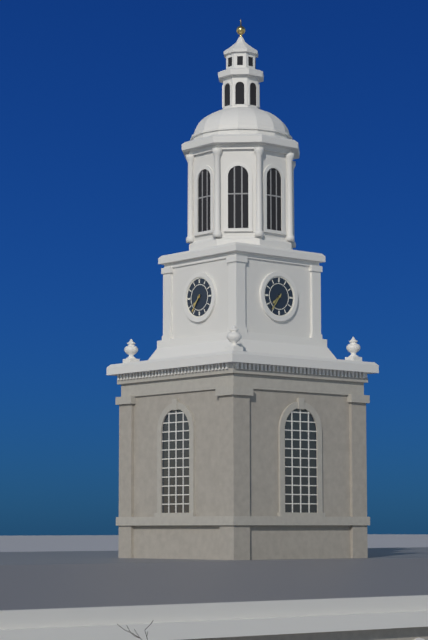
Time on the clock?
7:36
